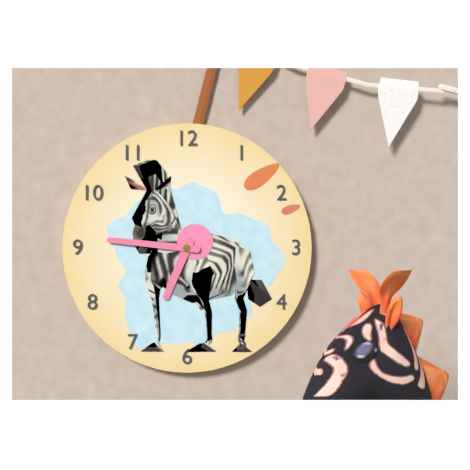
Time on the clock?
6:46
